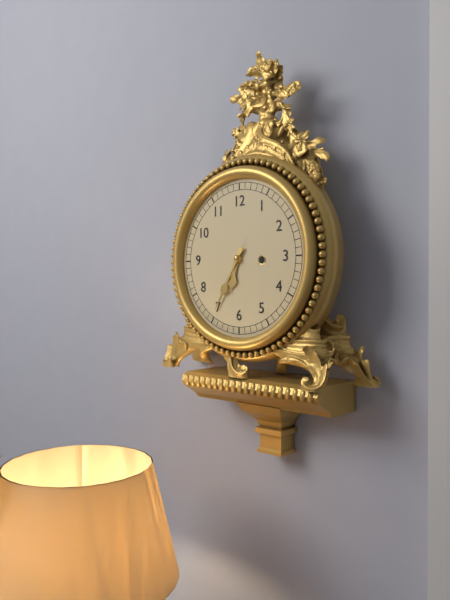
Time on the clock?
6:35
